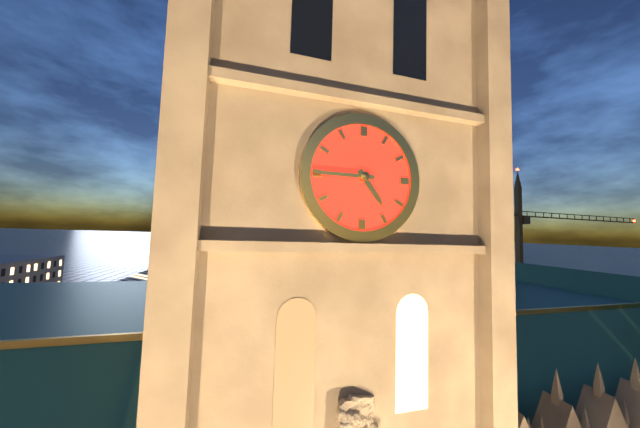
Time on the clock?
4:45
